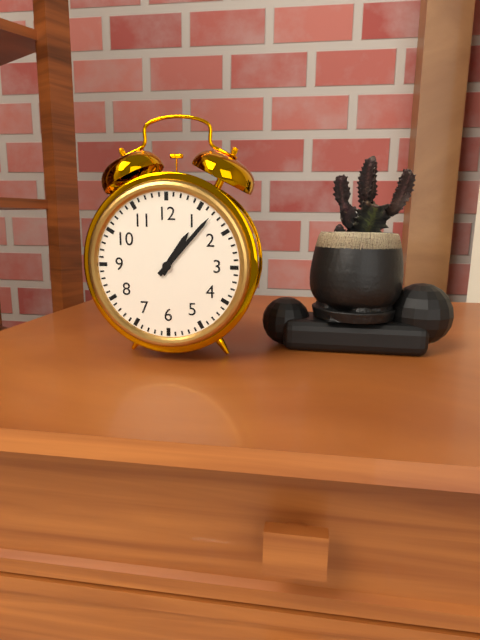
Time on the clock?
1:07
